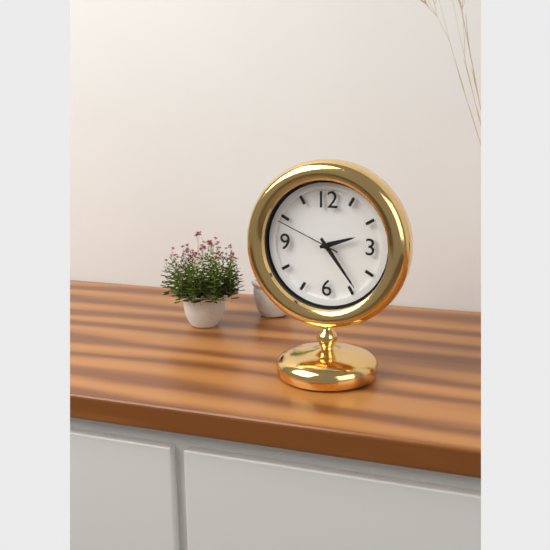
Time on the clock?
2:24:49
